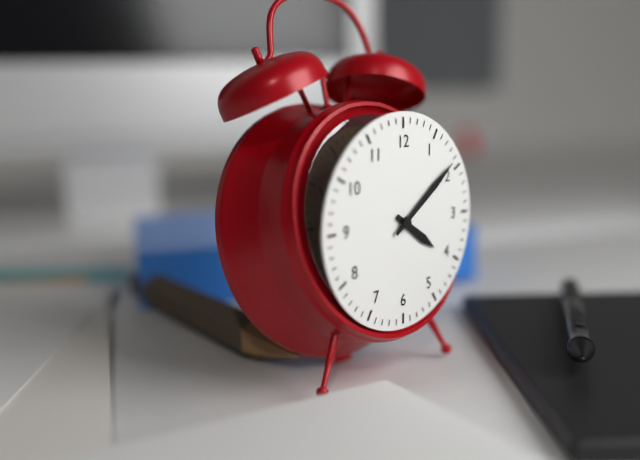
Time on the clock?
4:09
